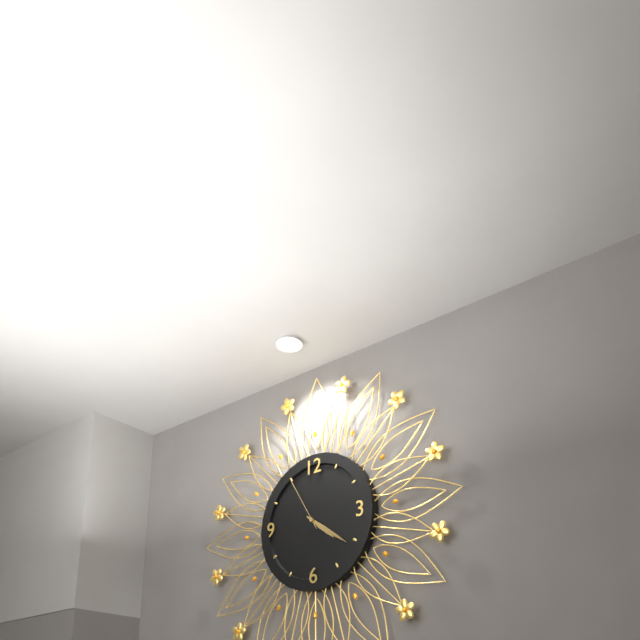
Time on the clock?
4:21:55
